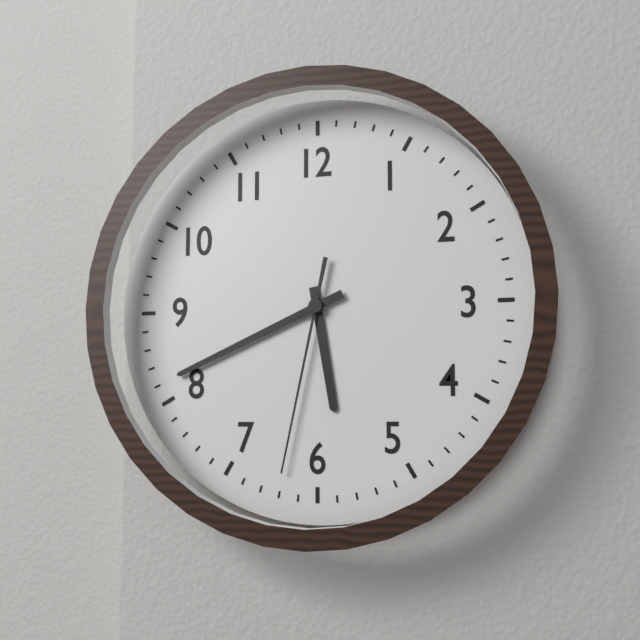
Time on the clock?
5:41:32
